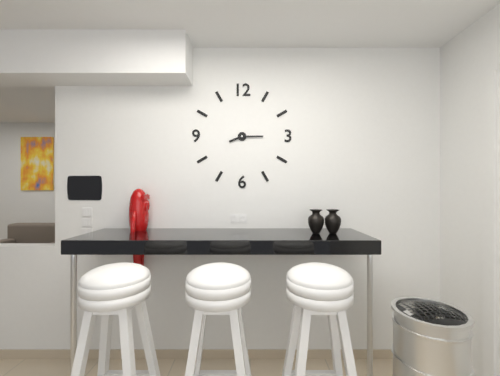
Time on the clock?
8:15
